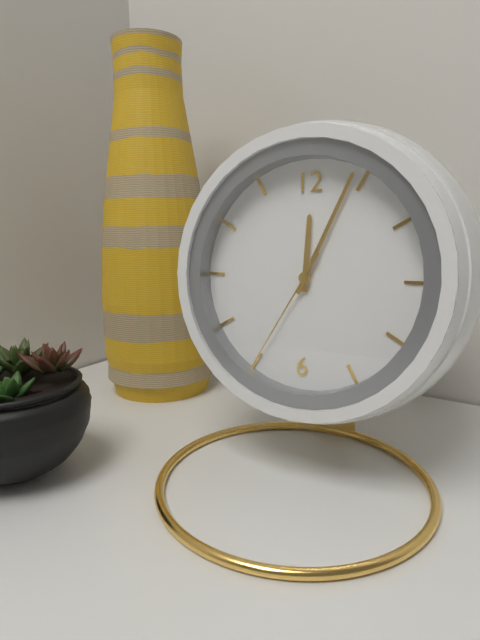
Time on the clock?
12:04:35
